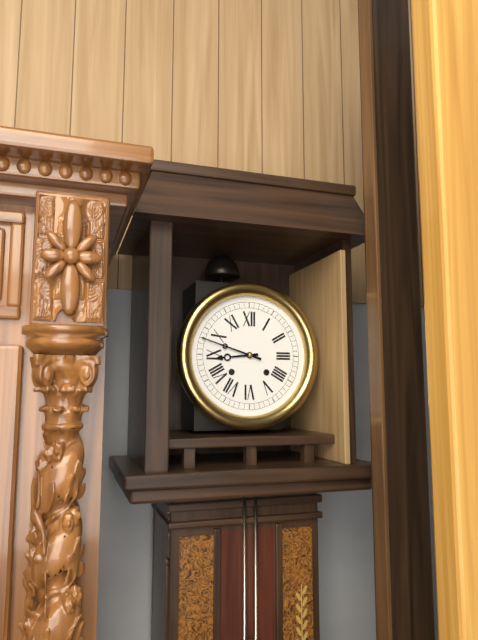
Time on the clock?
8:48
